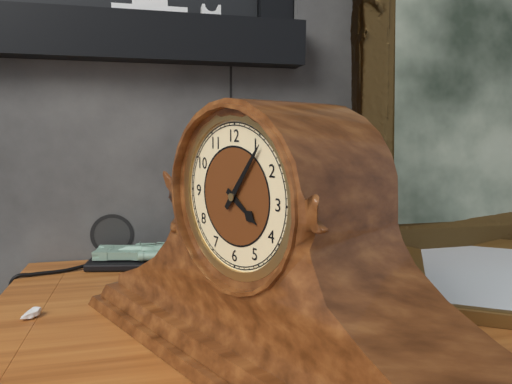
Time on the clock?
4:06
